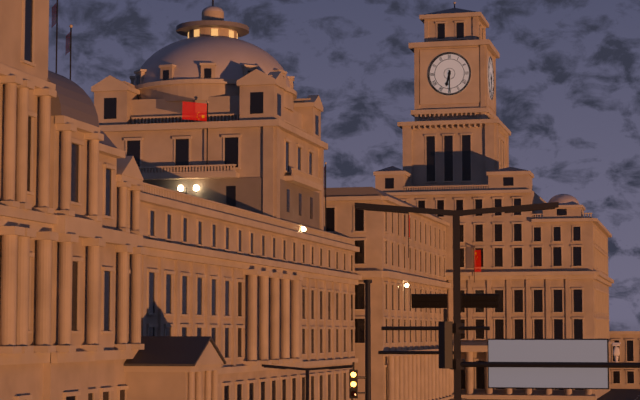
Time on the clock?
6:30
